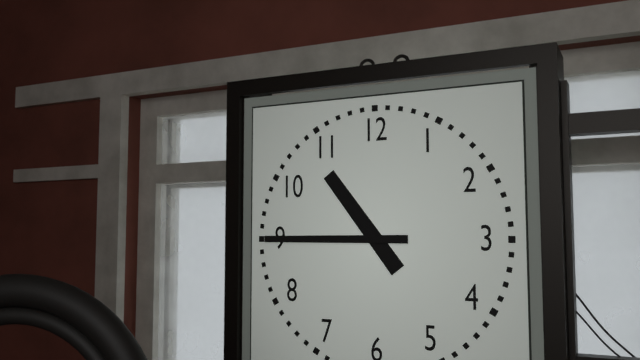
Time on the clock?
10:45
